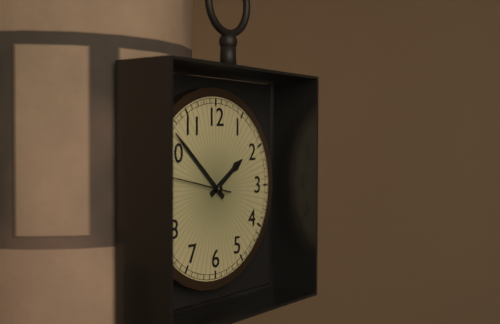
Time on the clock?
1:52:47
